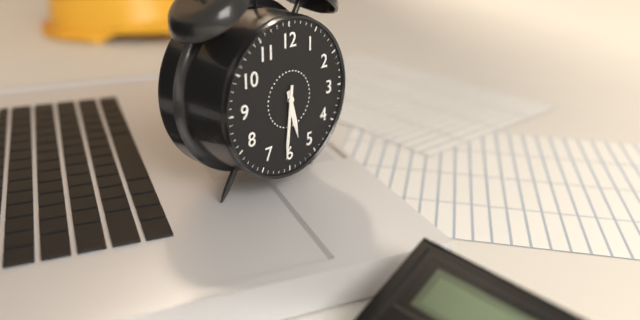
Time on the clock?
5:31
